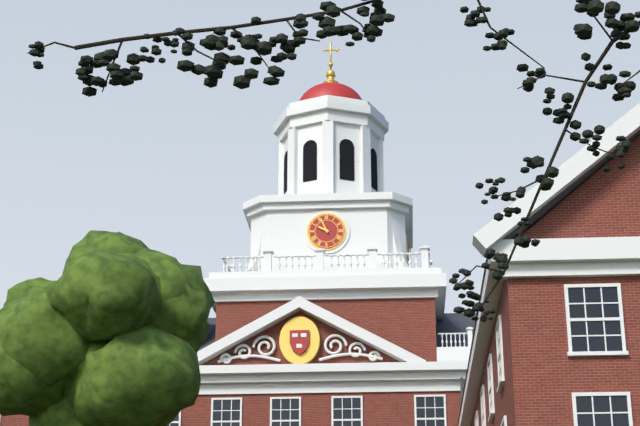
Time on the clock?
9:56
